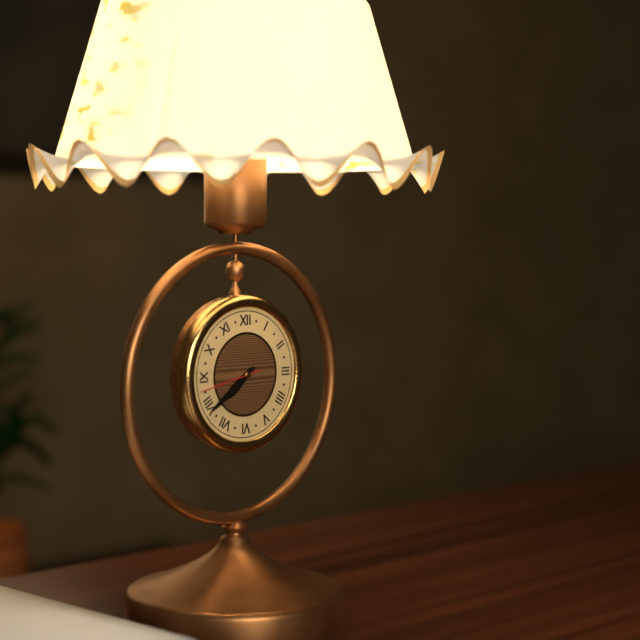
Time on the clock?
7:39
